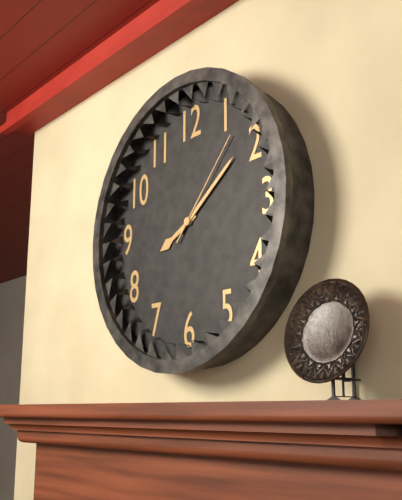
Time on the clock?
8:09:07
